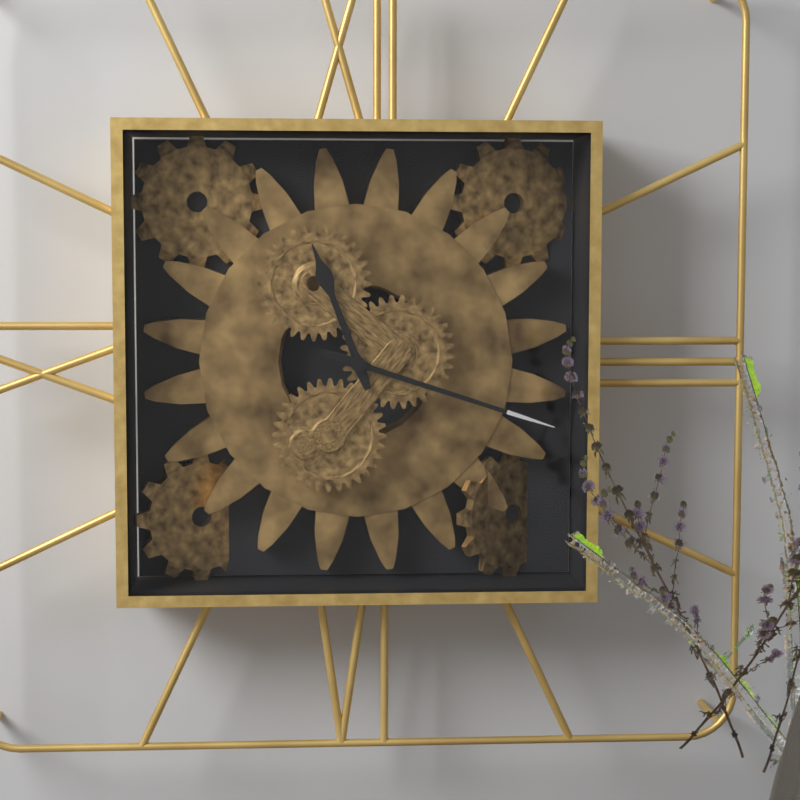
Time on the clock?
11:18
